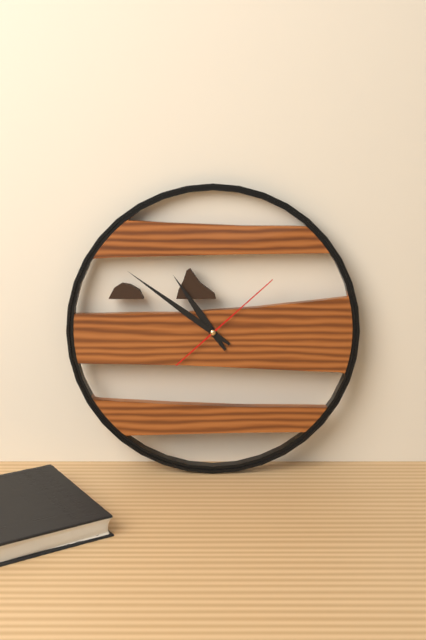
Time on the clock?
10:51:08
